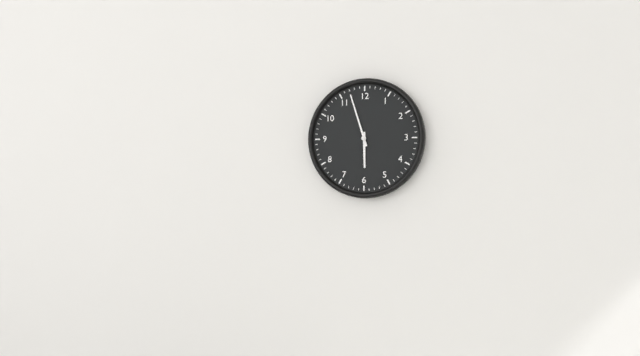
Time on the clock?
5:57
